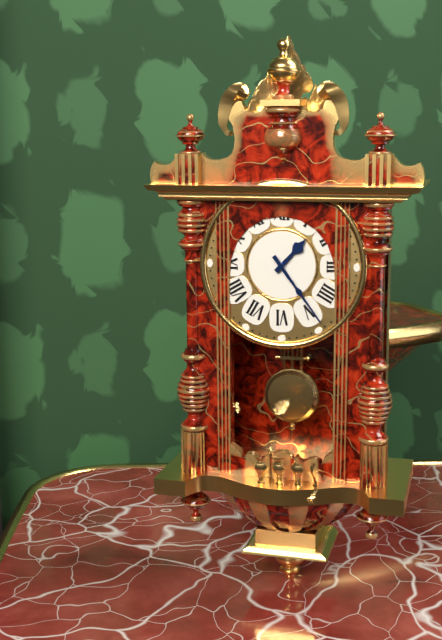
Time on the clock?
1:24
